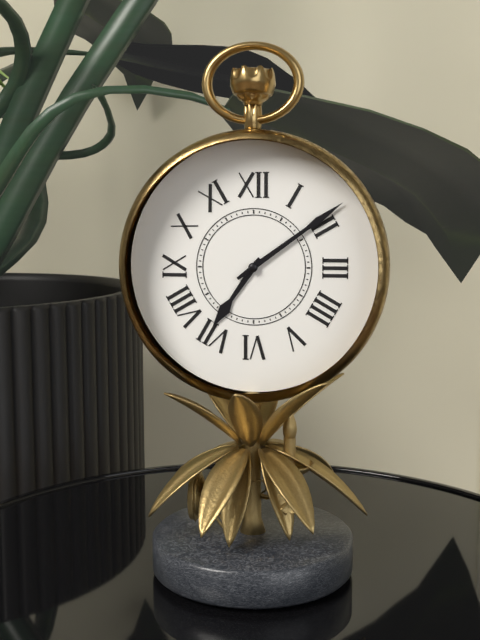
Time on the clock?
7:09
